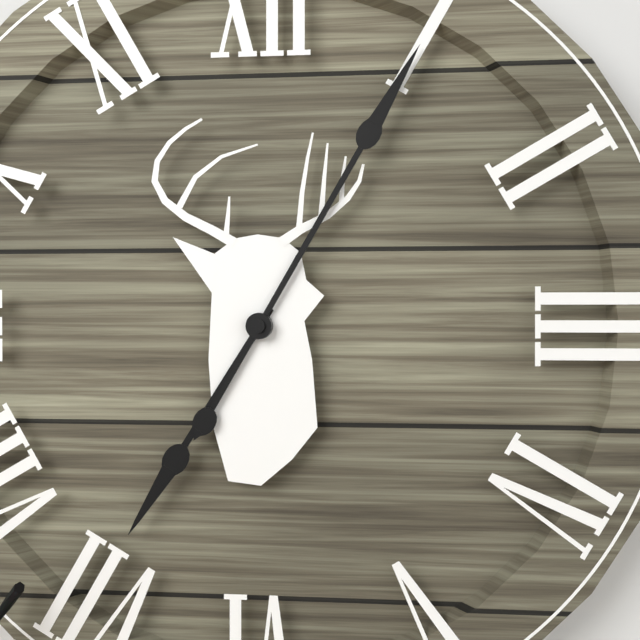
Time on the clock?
7:05
